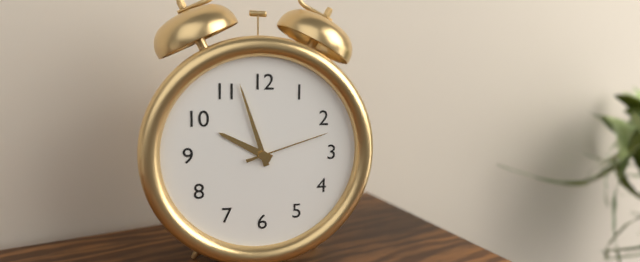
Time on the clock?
9:57:12
